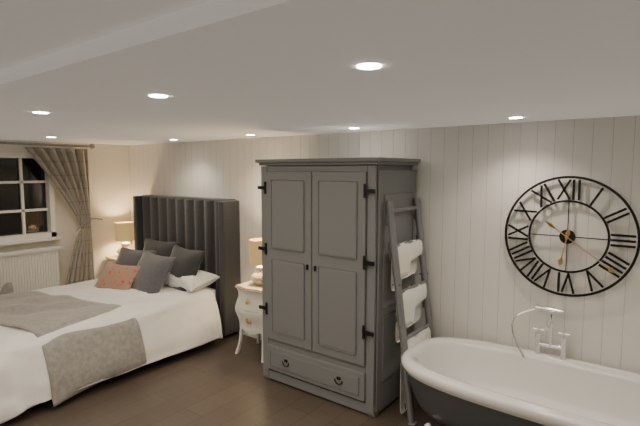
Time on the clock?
6:21
